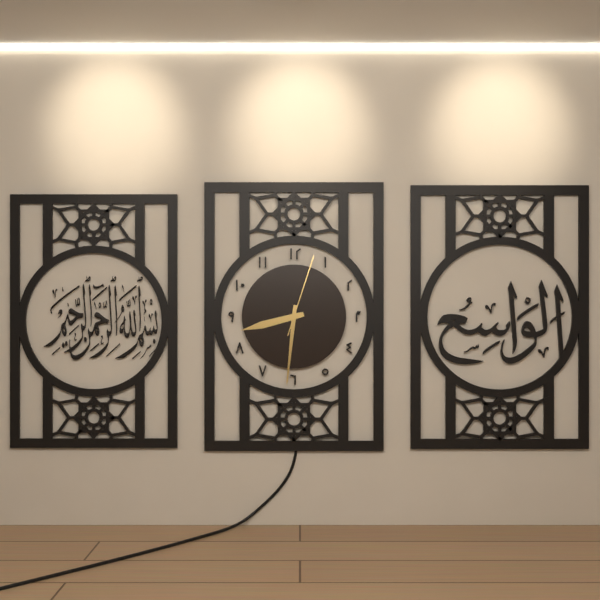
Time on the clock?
8:31:03
